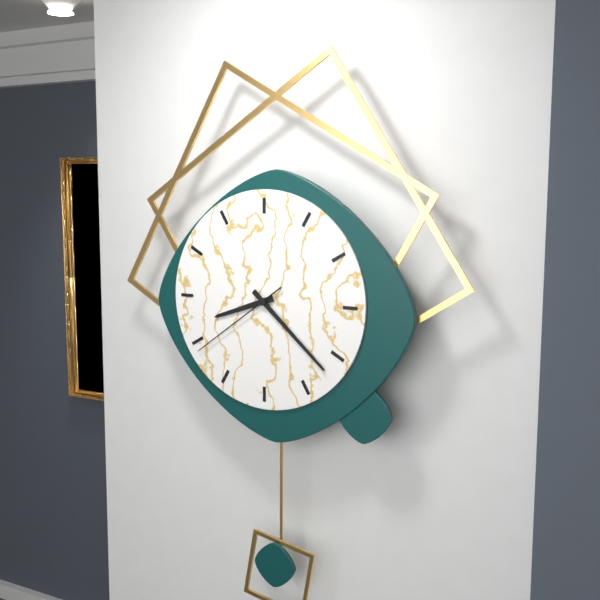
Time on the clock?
8:22:39
